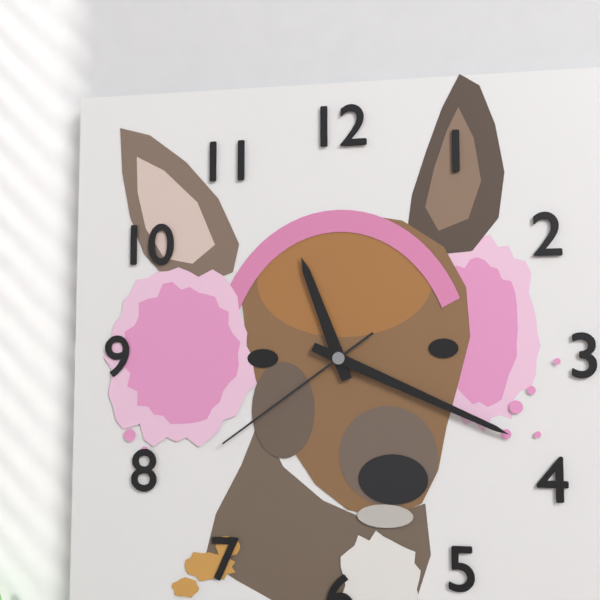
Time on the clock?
11:19:39
